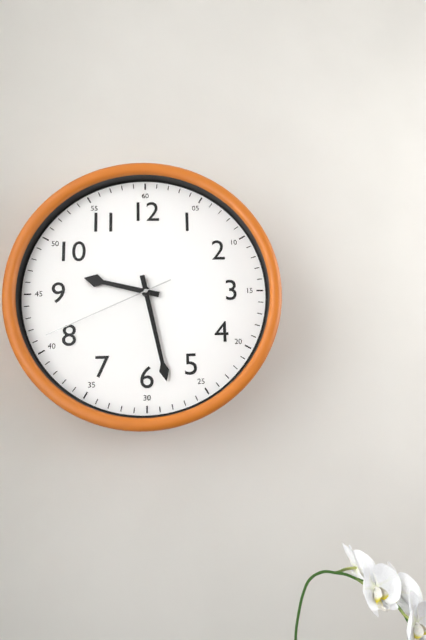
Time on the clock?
9:28:41
